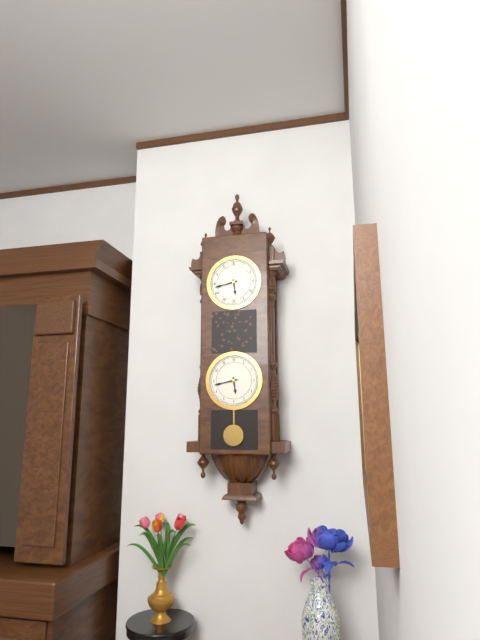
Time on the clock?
5:43
